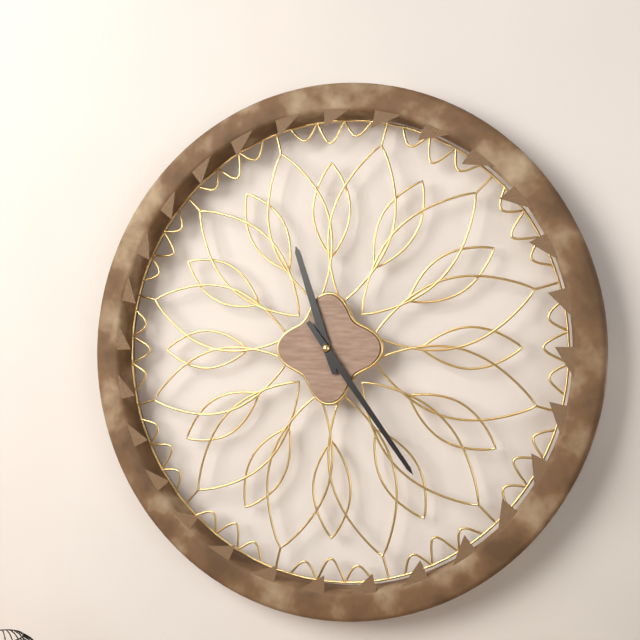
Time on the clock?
11:24
